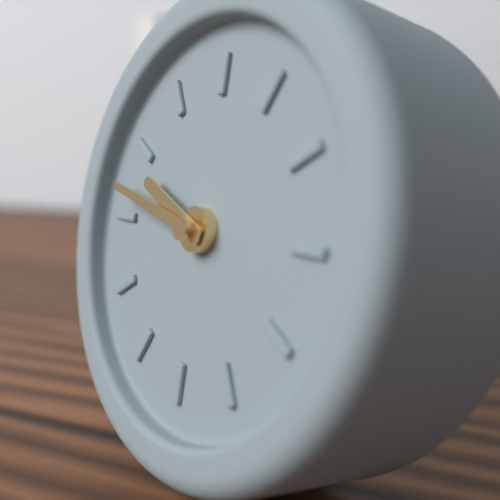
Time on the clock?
9:47
